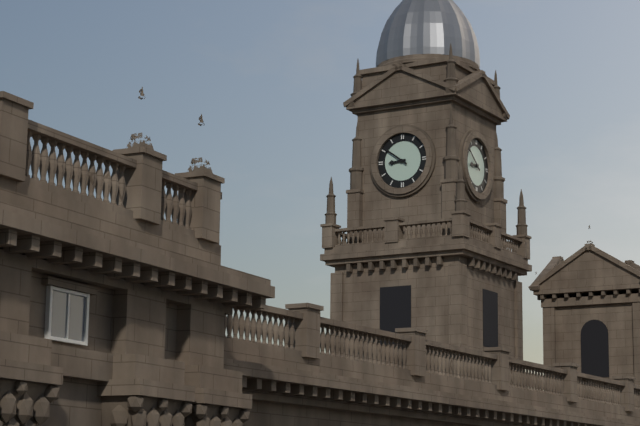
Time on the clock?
8:51
